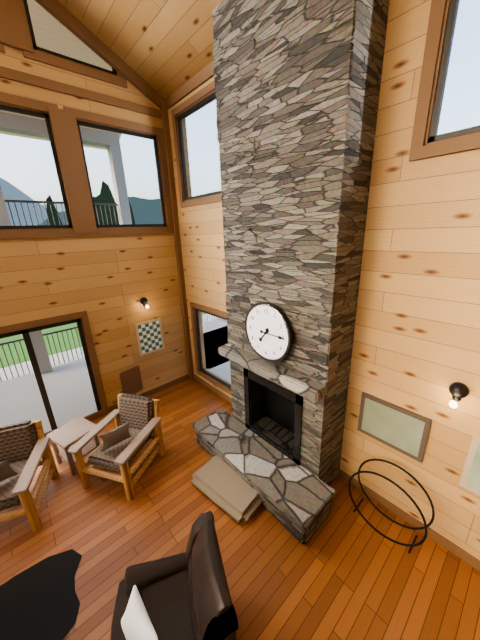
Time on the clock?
7:15
